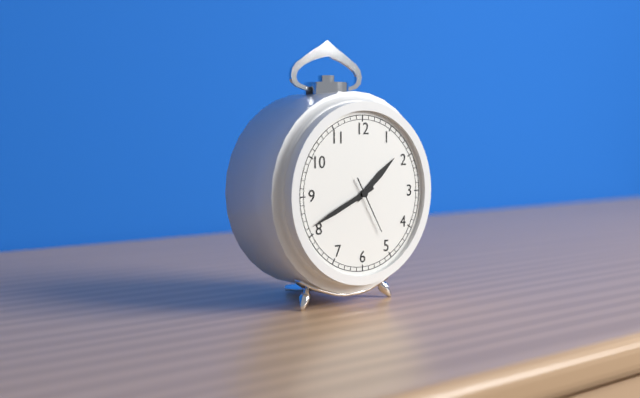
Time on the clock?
1:41:25
